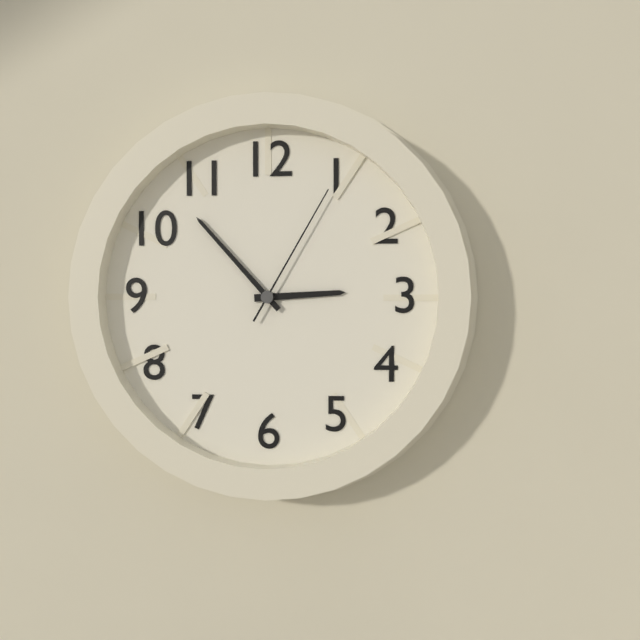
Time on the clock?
2:53:05
